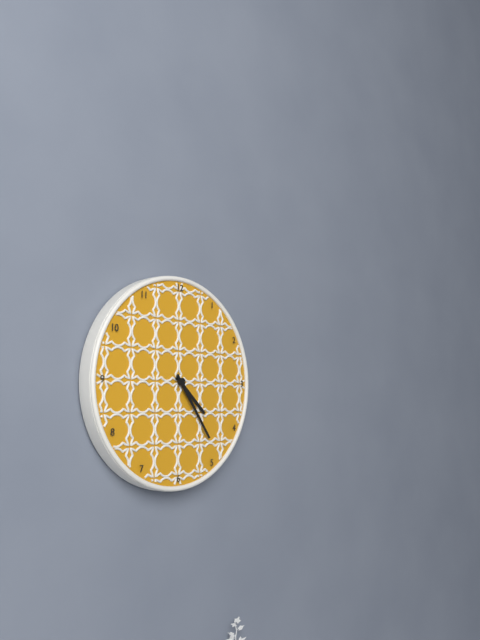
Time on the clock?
4:24
